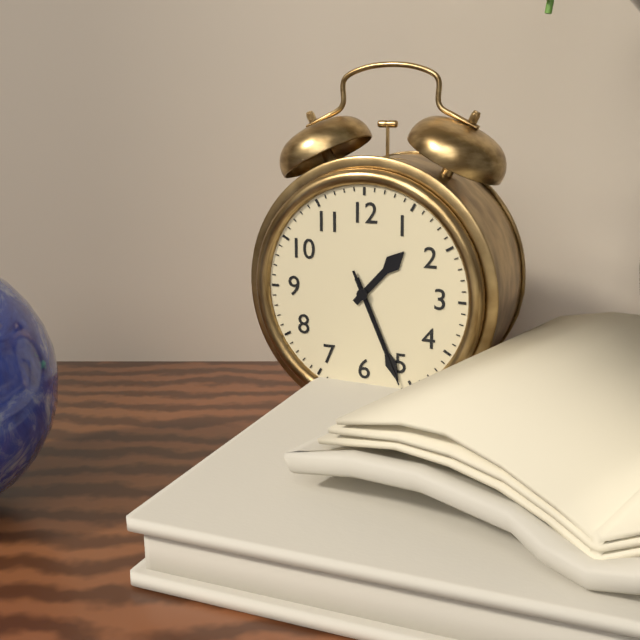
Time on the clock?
1:26:26
